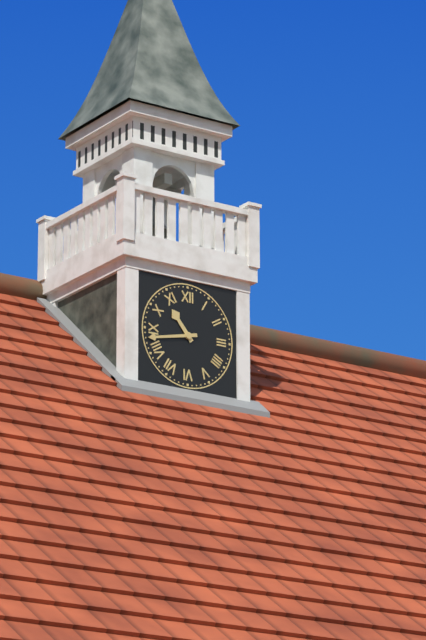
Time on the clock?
10:43
